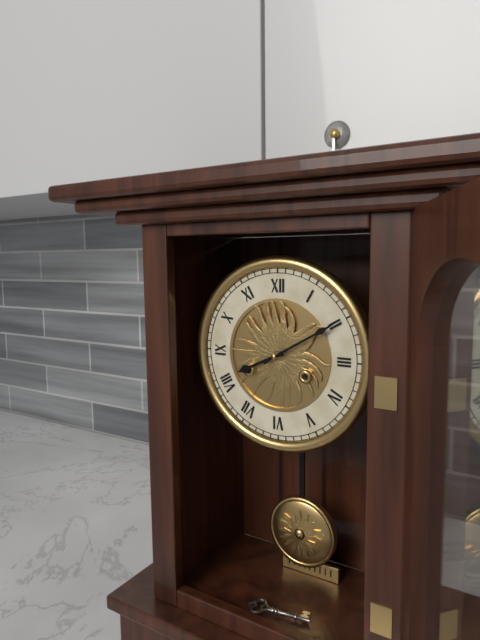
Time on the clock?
8:10
